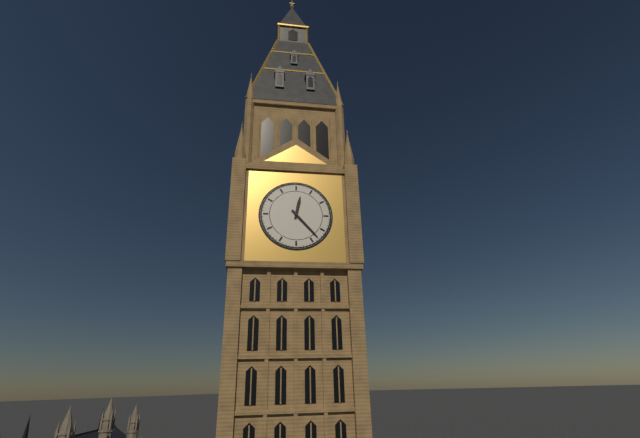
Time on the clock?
12:23
